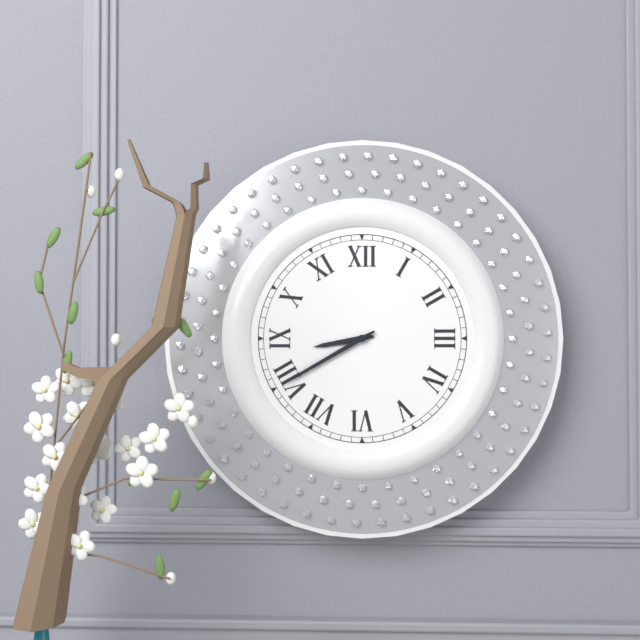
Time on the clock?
8:40
